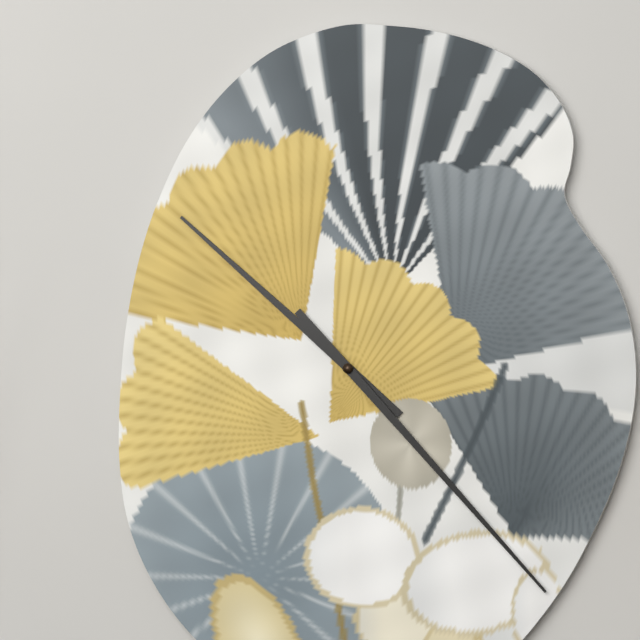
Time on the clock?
10:23
